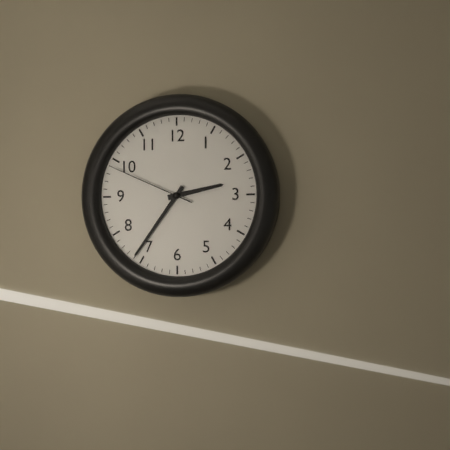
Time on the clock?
2:36:49
